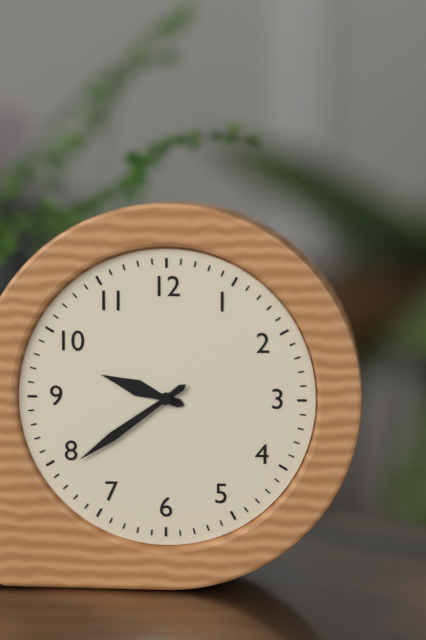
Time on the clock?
9:39
